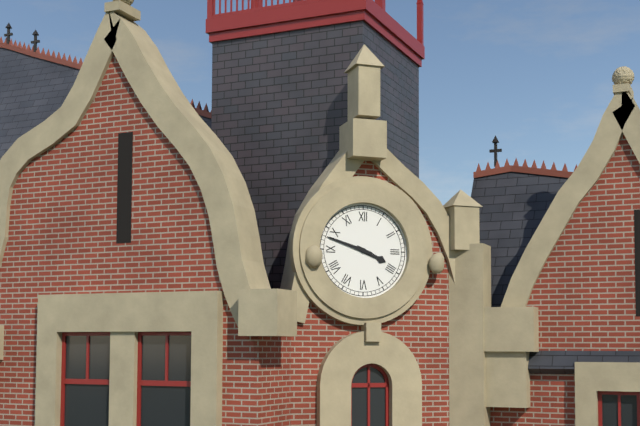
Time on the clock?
3:48
